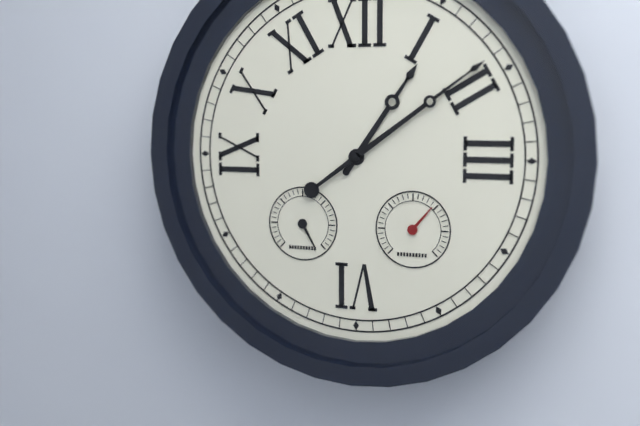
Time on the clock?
1:09
